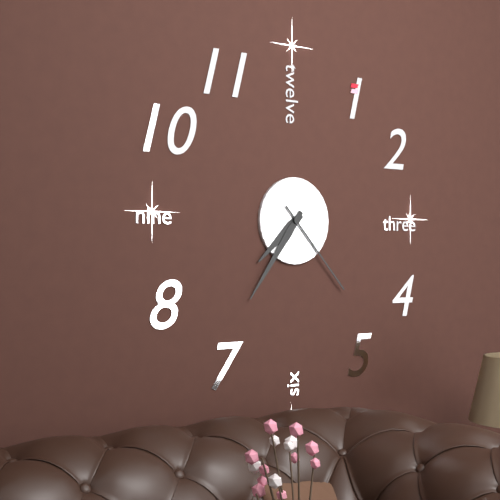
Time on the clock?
7:36:23
